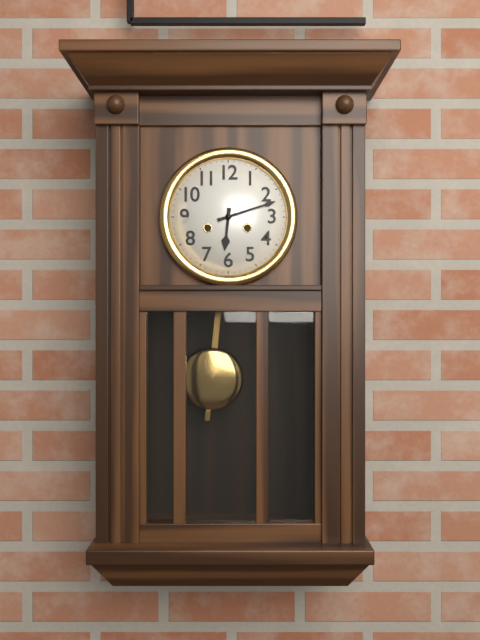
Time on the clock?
6:12
